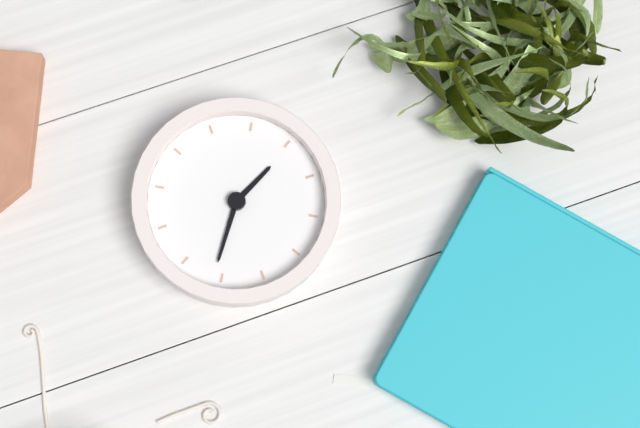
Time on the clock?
8:06
